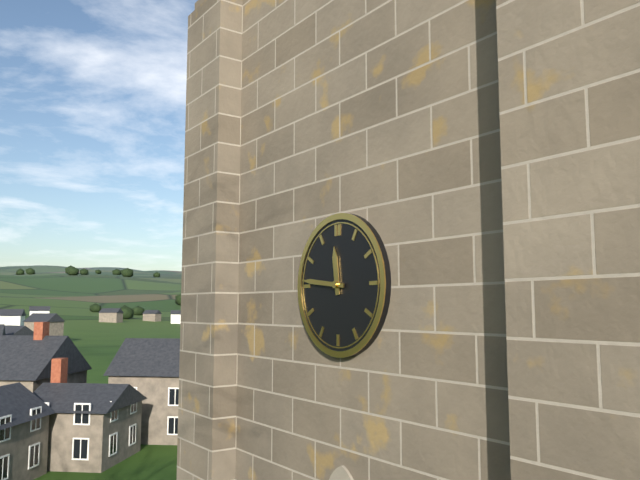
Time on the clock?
11:46
